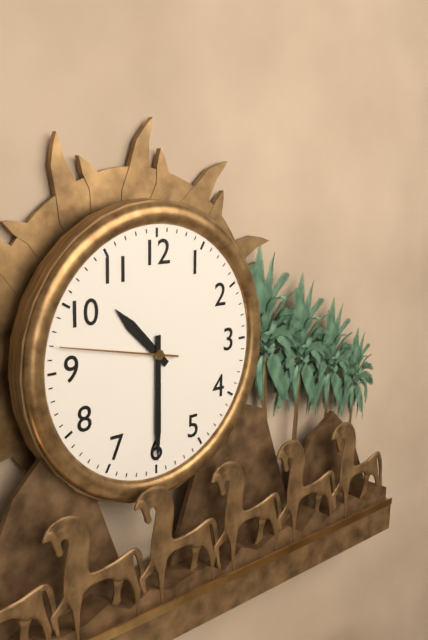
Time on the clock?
10:30:47
